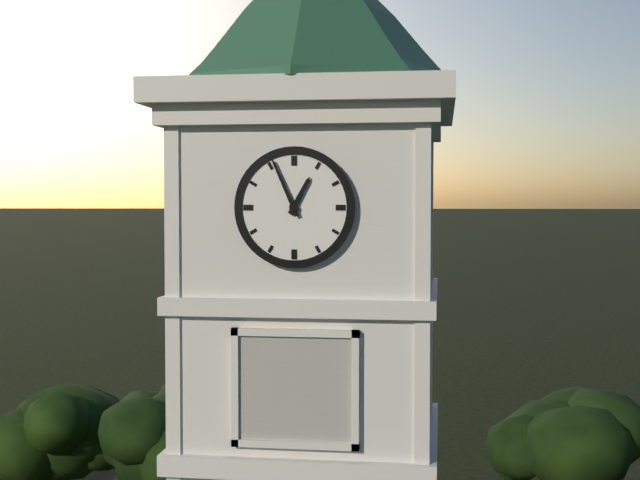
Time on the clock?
12:56
